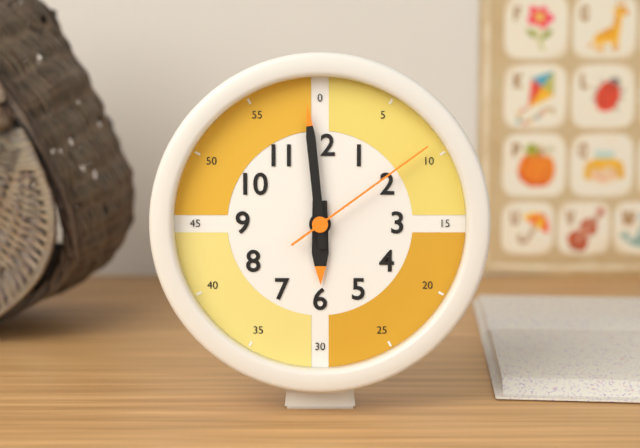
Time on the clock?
5:59:09
